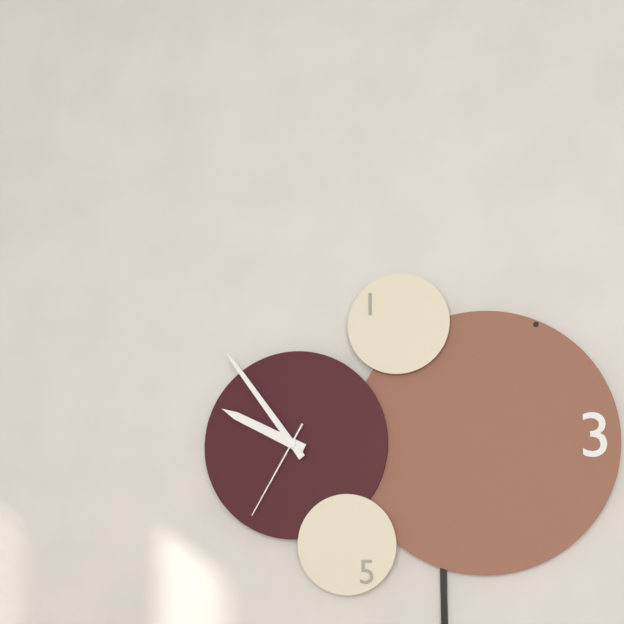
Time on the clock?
9:54:35
